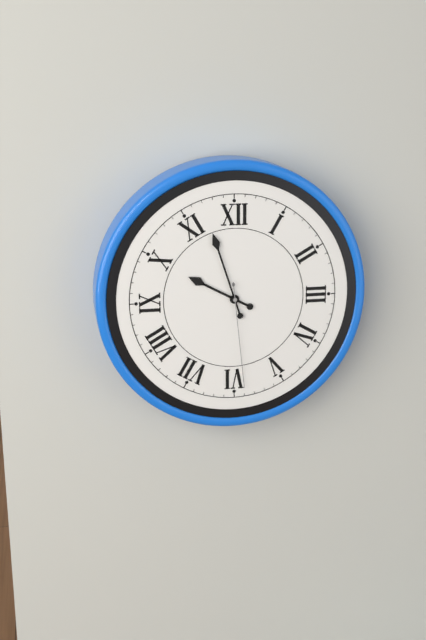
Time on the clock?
9:57:29
